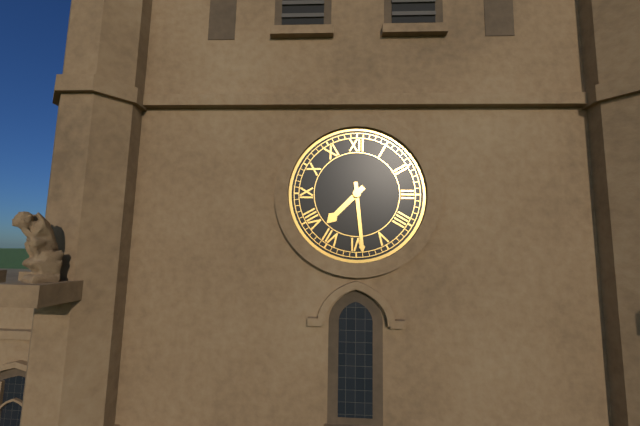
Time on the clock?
7:29
